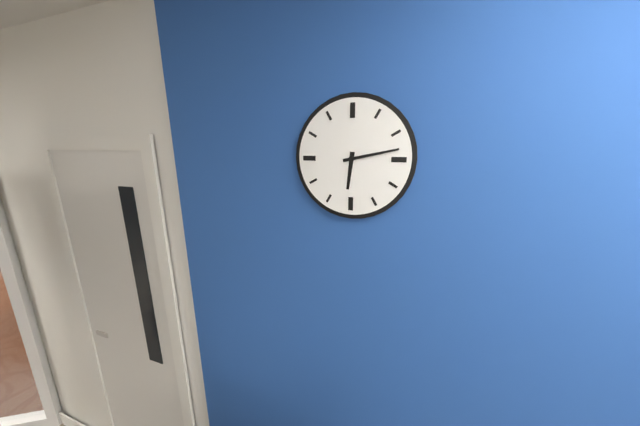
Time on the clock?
6:13
